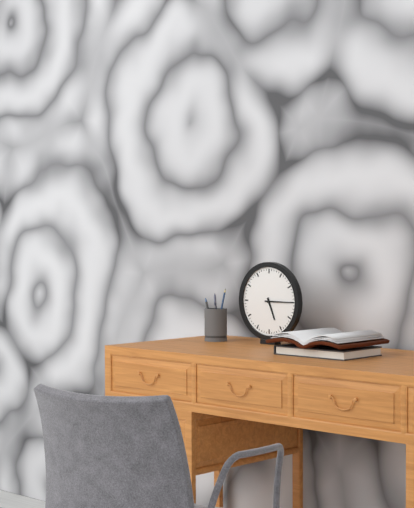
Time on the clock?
5:15
